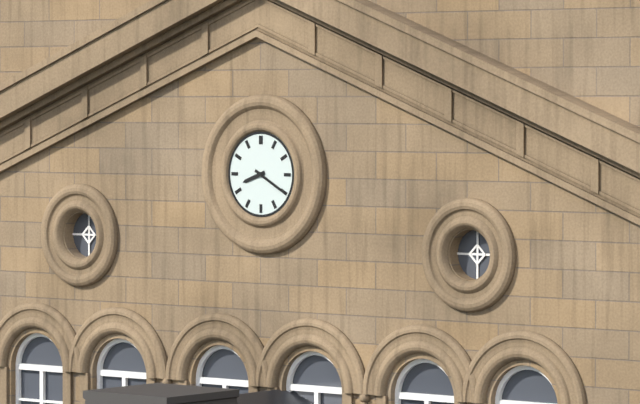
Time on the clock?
8:20
